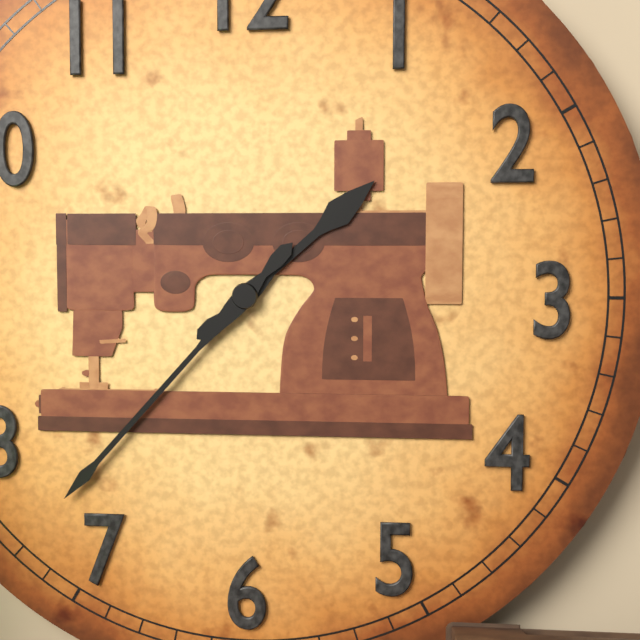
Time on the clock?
1:37
